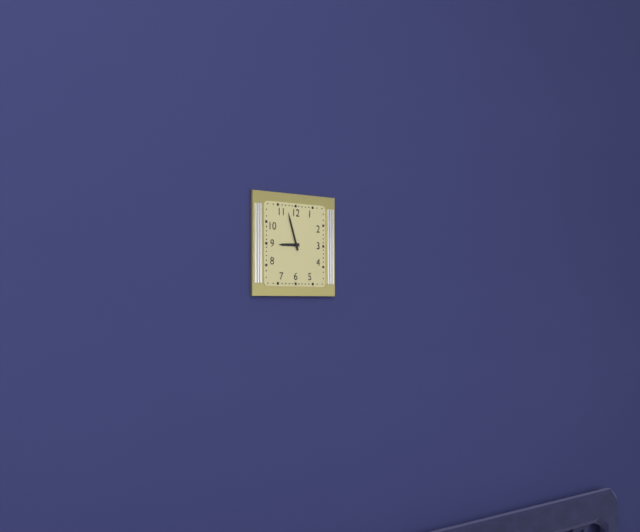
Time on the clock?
8:57
